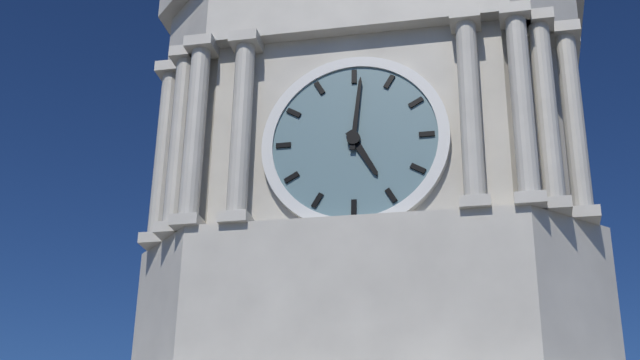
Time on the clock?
5:01
